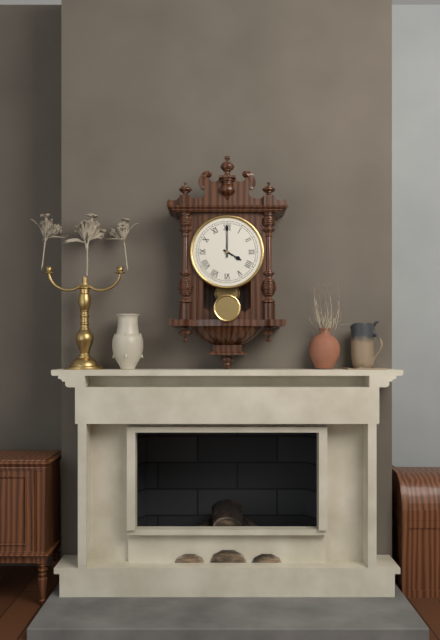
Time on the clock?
4:00
